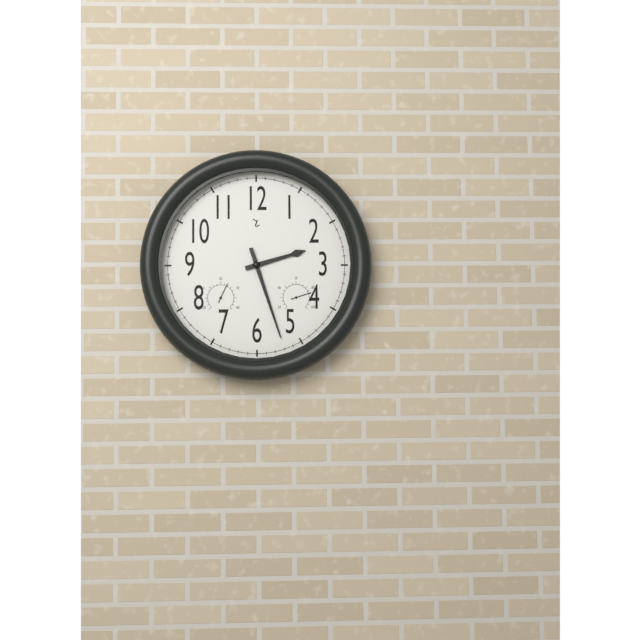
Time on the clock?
2:27
